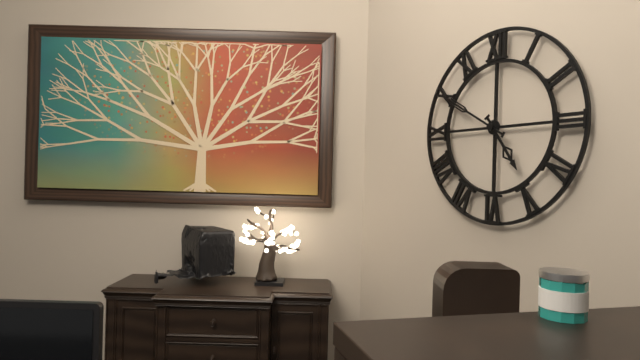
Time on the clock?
4:50
